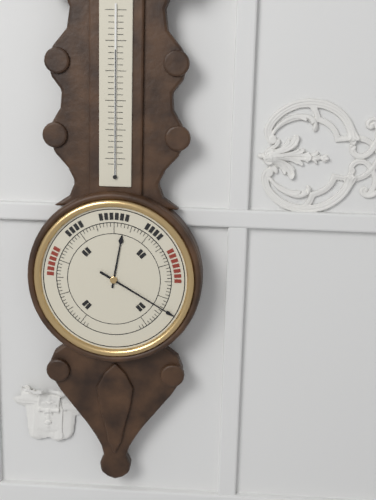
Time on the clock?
12:20
